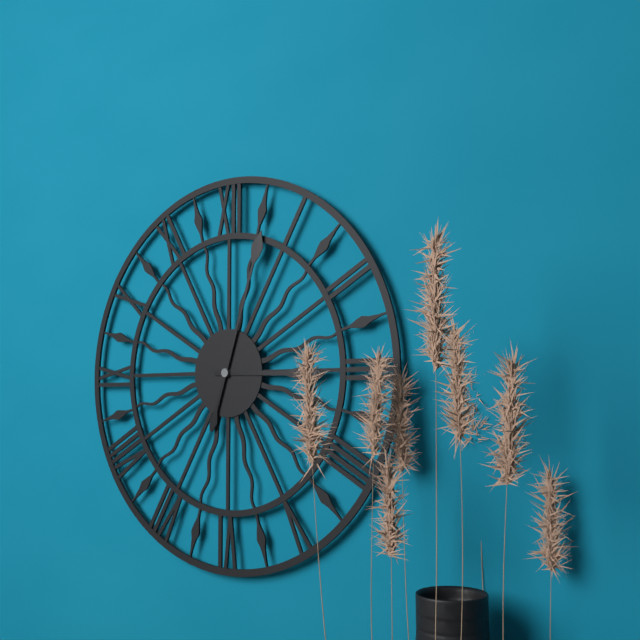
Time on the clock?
3:03
